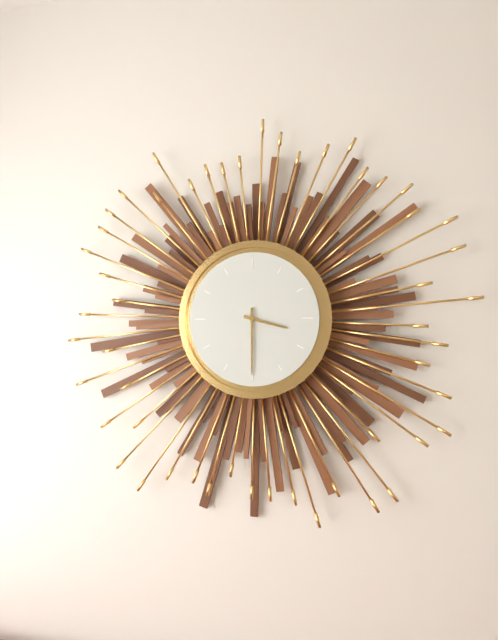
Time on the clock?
3:30
